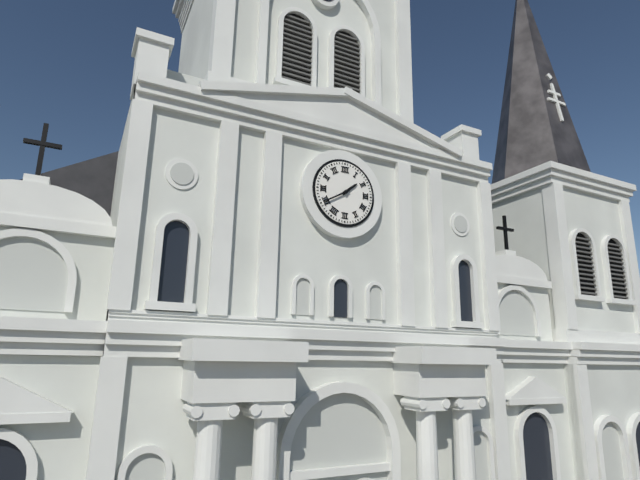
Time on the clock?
1:40
